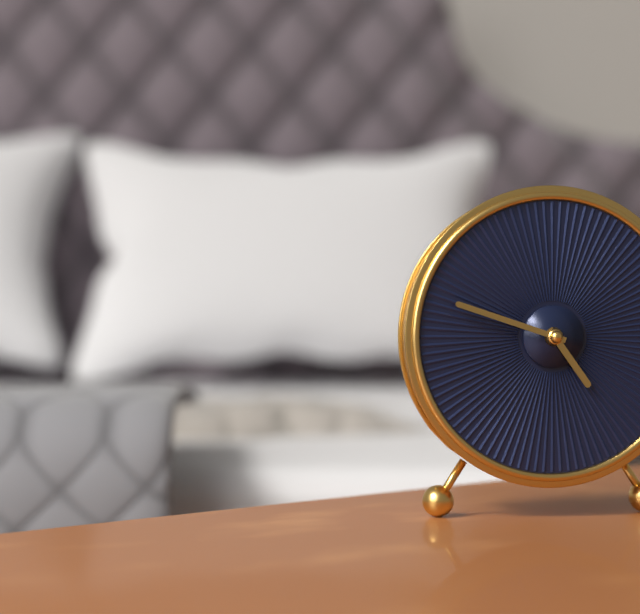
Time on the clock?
4:48
